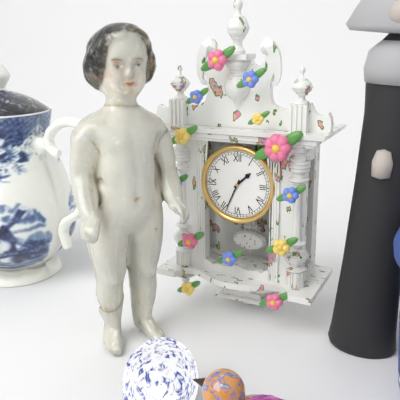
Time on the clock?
1:34
